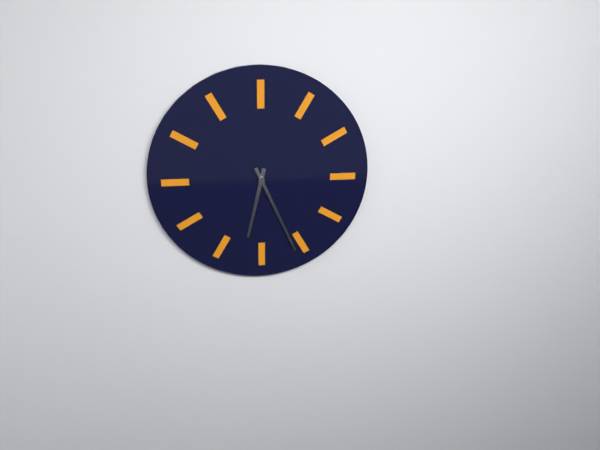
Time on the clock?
6:26
